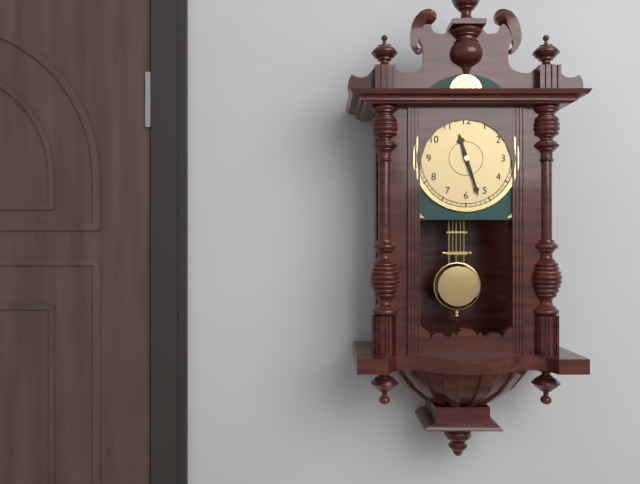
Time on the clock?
11:27
